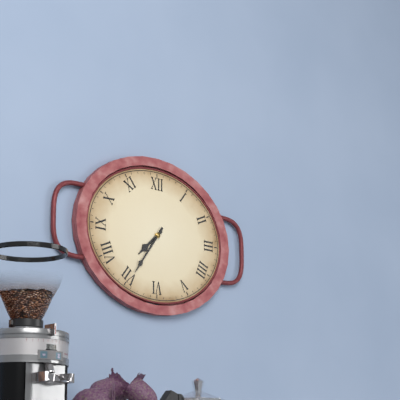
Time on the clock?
7:36
